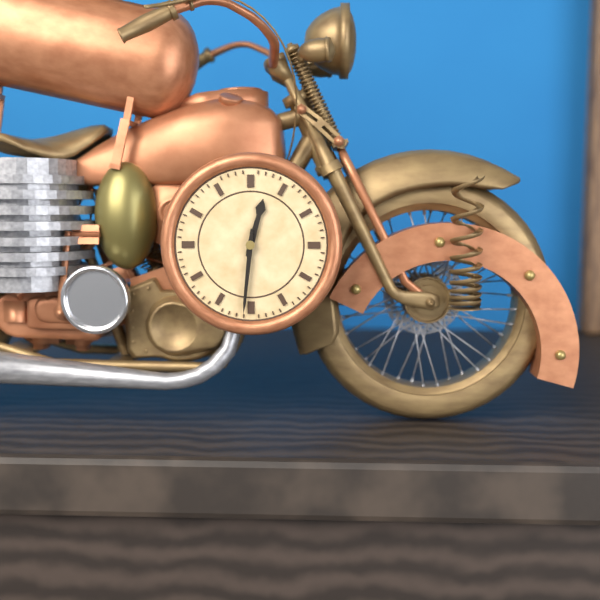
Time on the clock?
12:31
